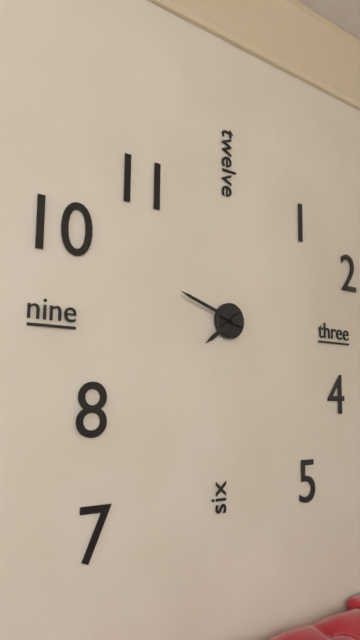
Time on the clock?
7:48
